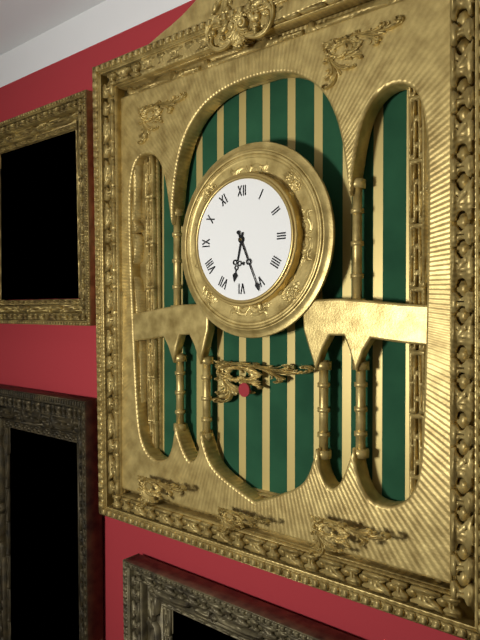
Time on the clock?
6:26
